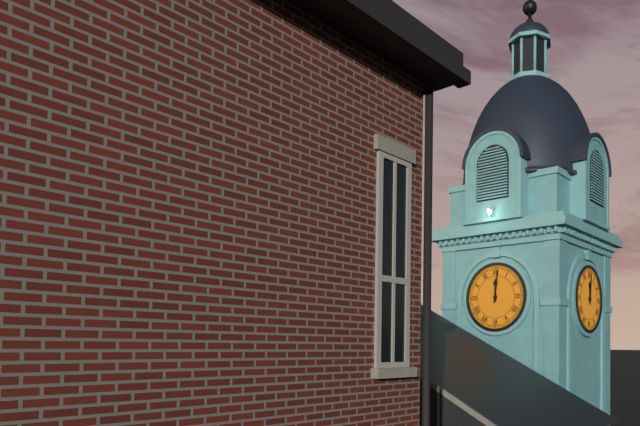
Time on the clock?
12:01
